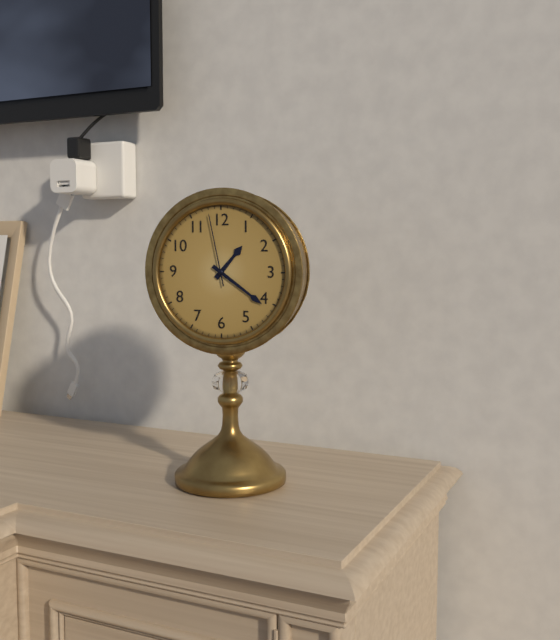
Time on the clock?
1:21:58
